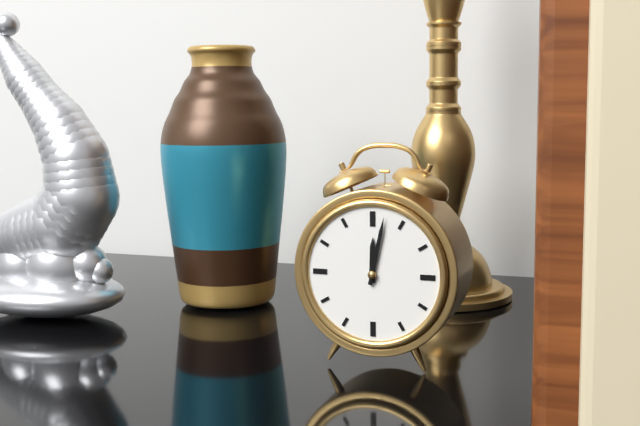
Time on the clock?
12:02
